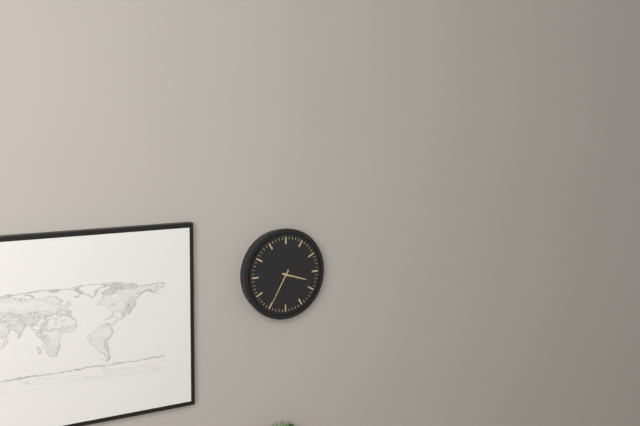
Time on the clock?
3:35
